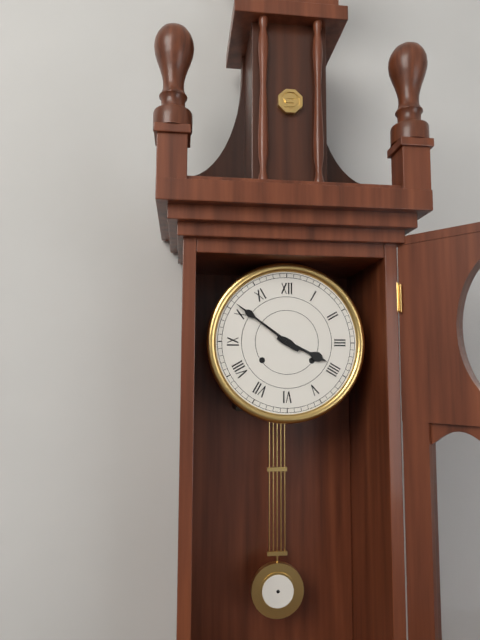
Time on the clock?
3:51
